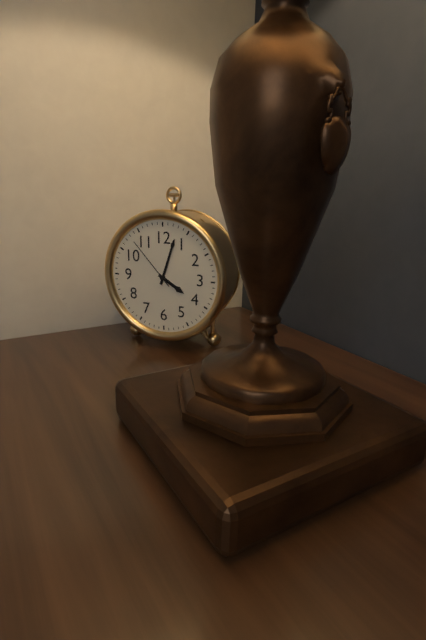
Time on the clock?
4:03:53
